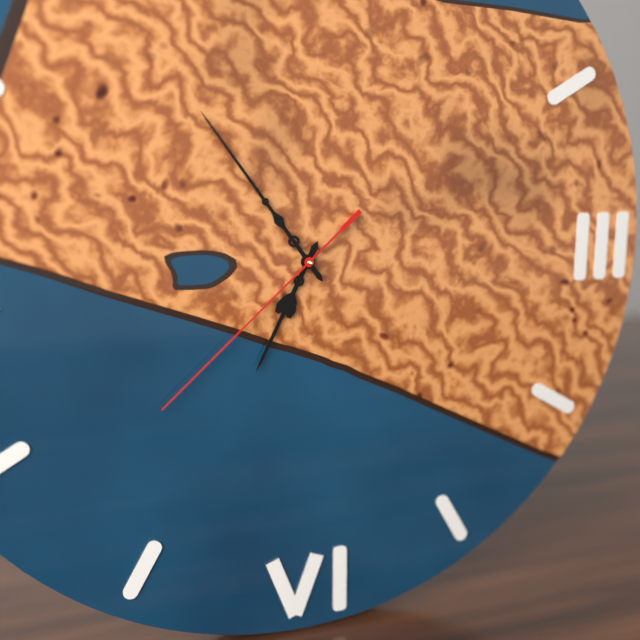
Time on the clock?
6:54:38
